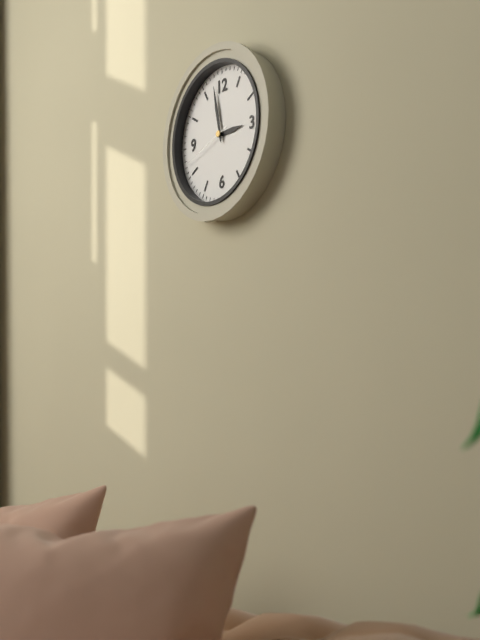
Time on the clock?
2:58:42
